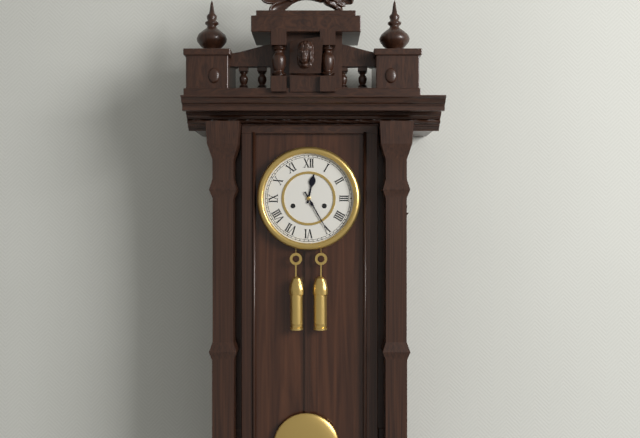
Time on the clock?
12:25
